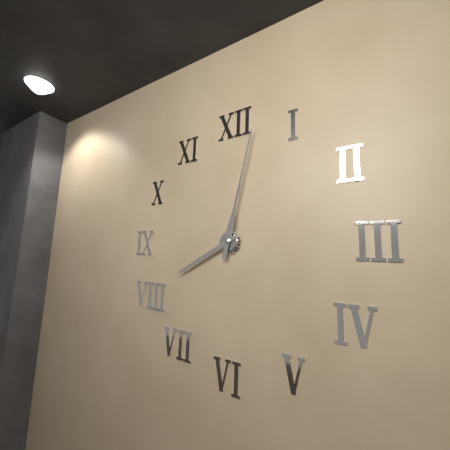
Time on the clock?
8:02
